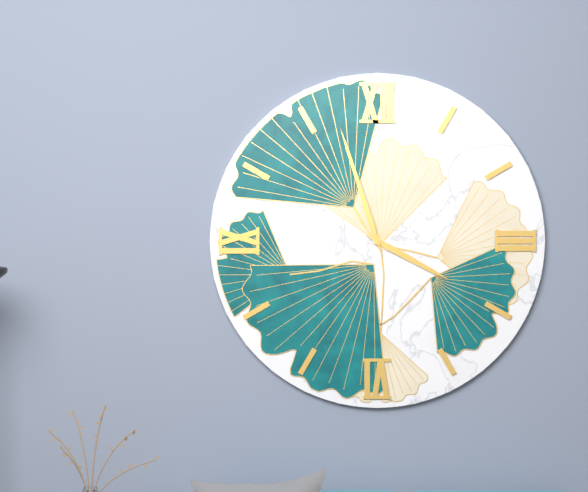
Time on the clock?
3:57
